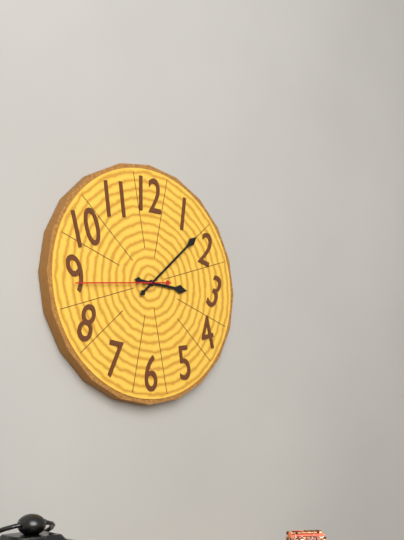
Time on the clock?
3:08:44
